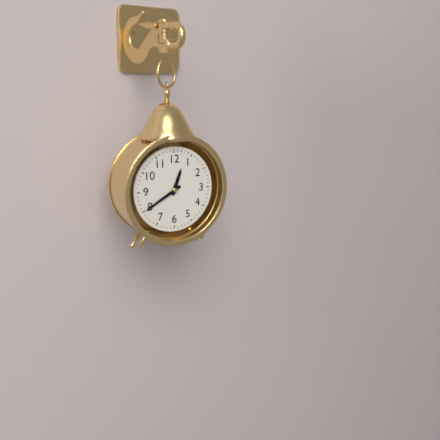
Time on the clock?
12:40
